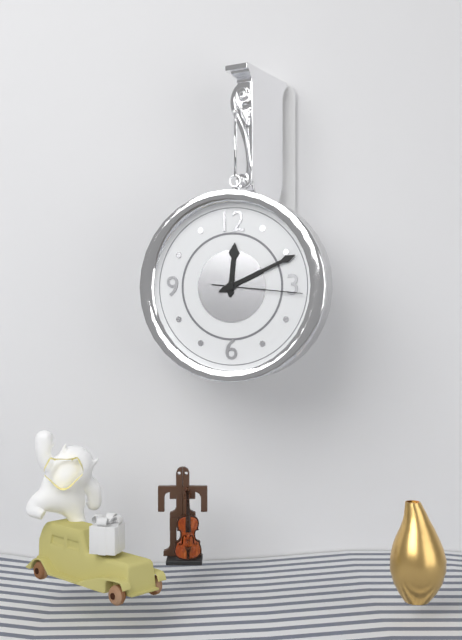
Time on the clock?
12:11:16
